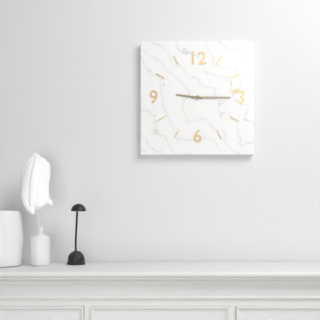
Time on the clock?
9:15
